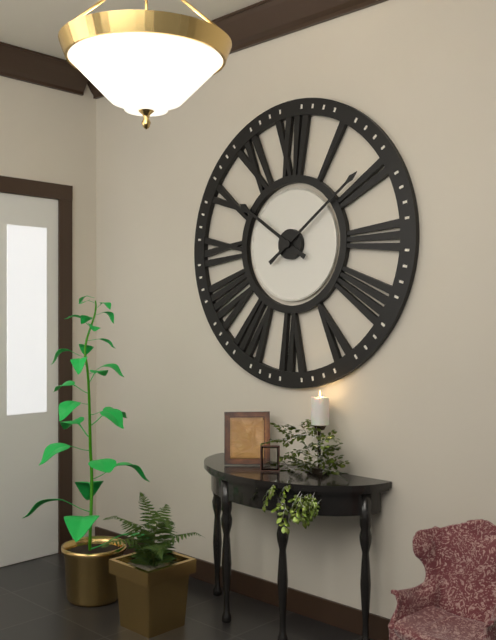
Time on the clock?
10:09
